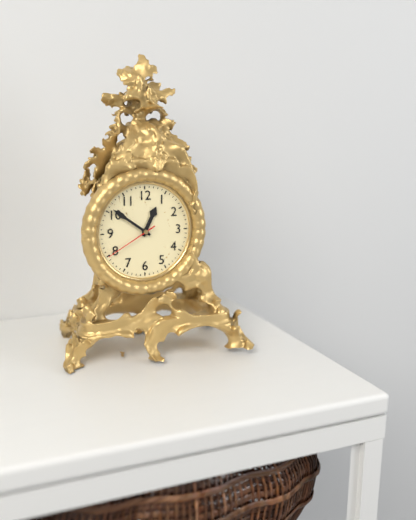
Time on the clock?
12:51:40
